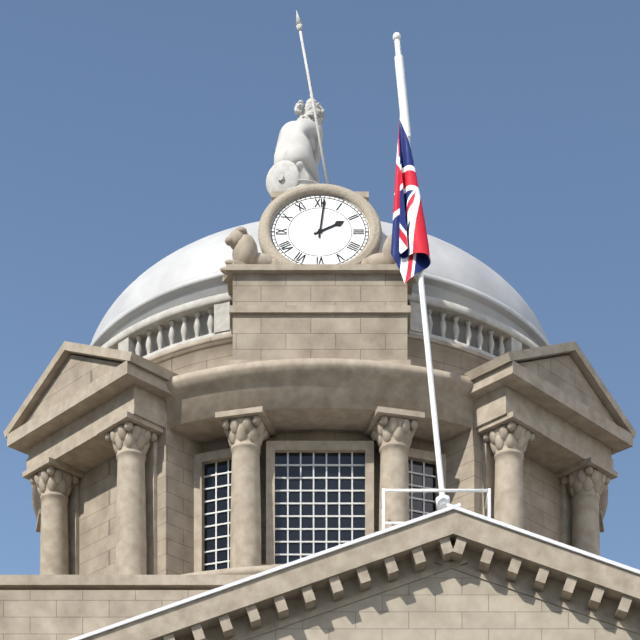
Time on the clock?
2:01
